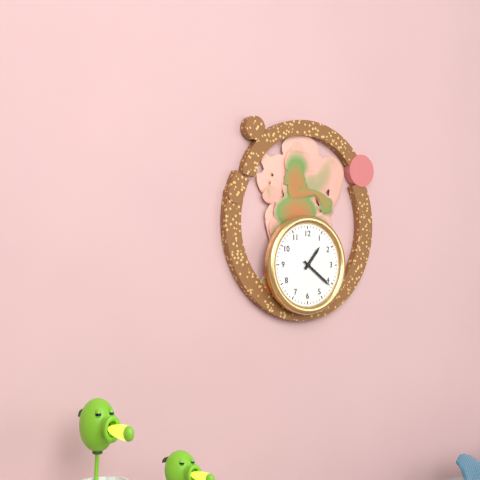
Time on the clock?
1:21
